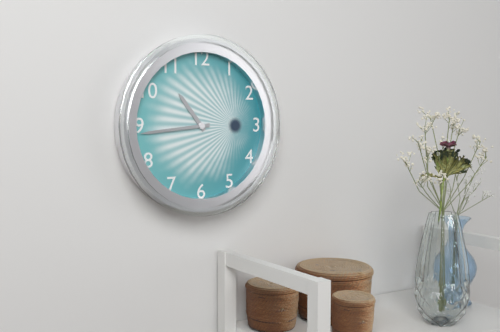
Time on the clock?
10:44
